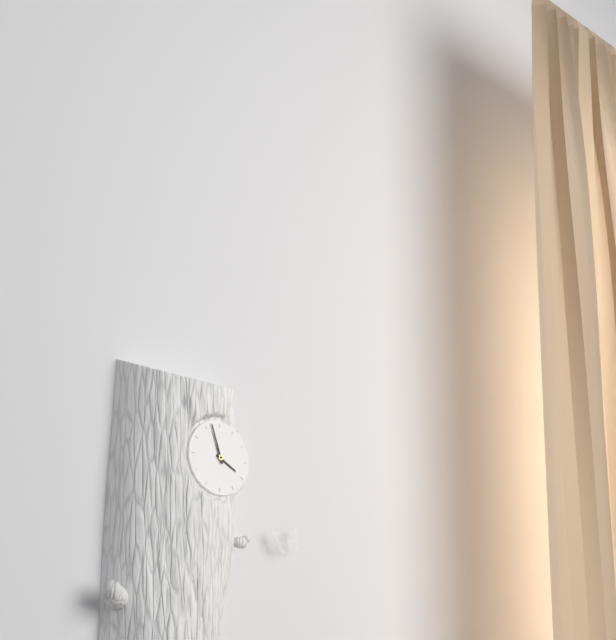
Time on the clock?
3:57
